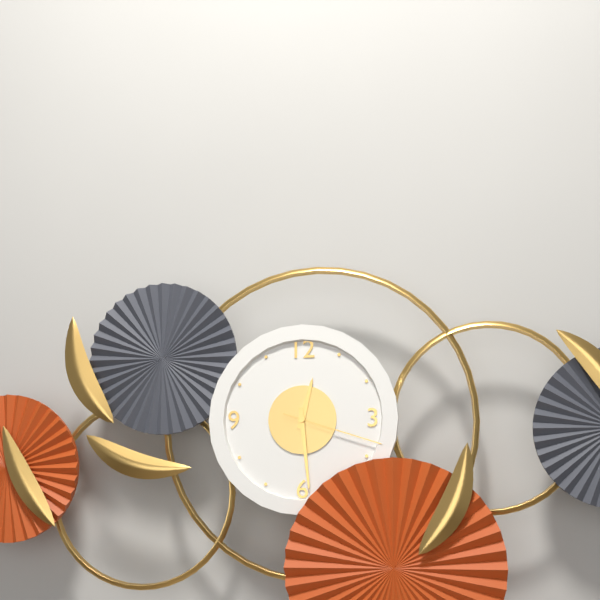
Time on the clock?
12:29:18
